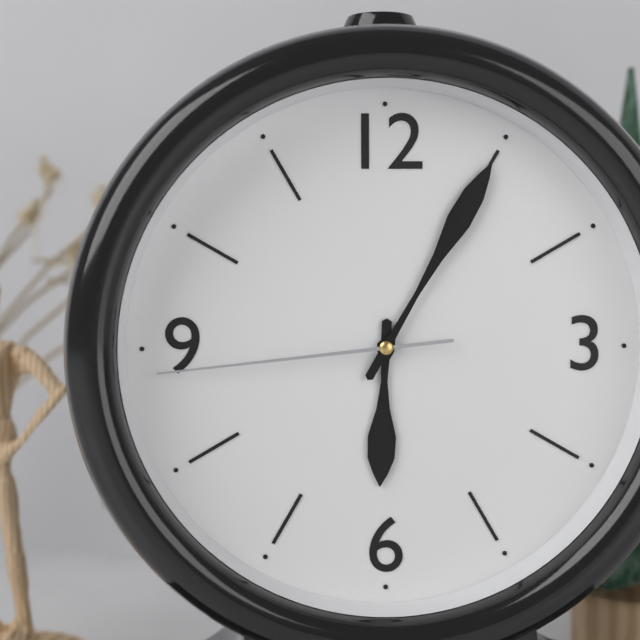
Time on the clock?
6:05:44
